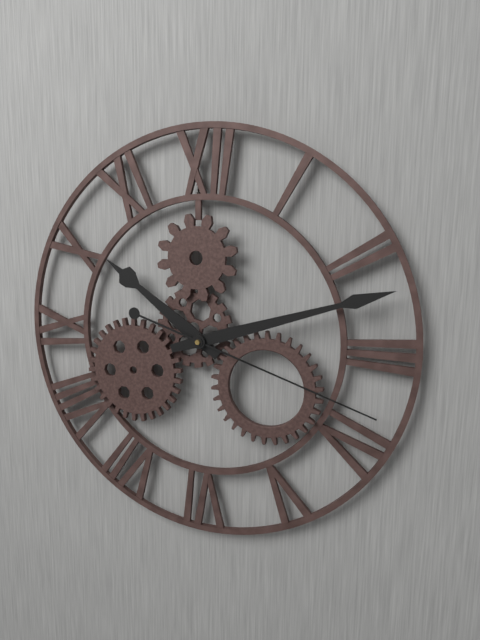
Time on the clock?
10:12:18
